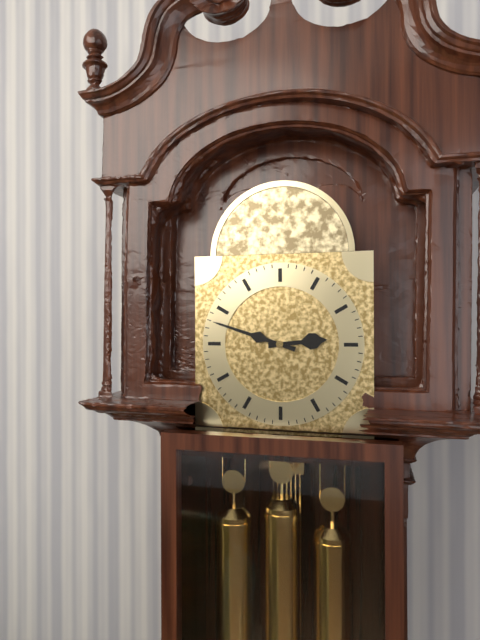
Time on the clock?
2:48
